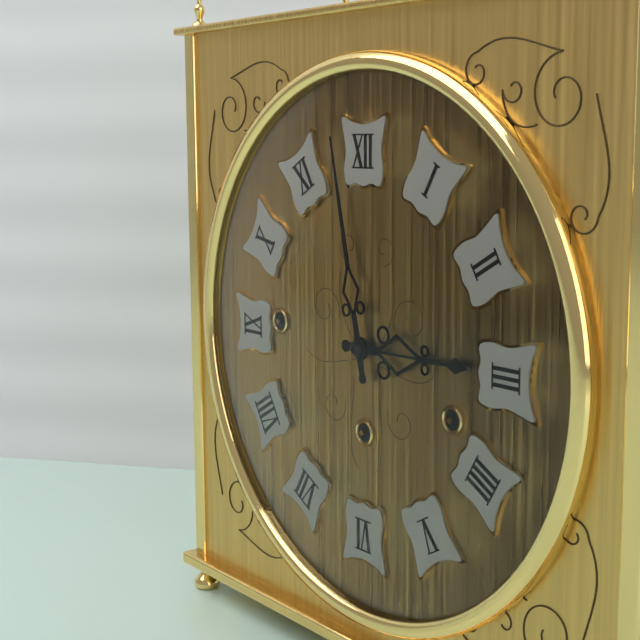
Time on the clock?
2:58
